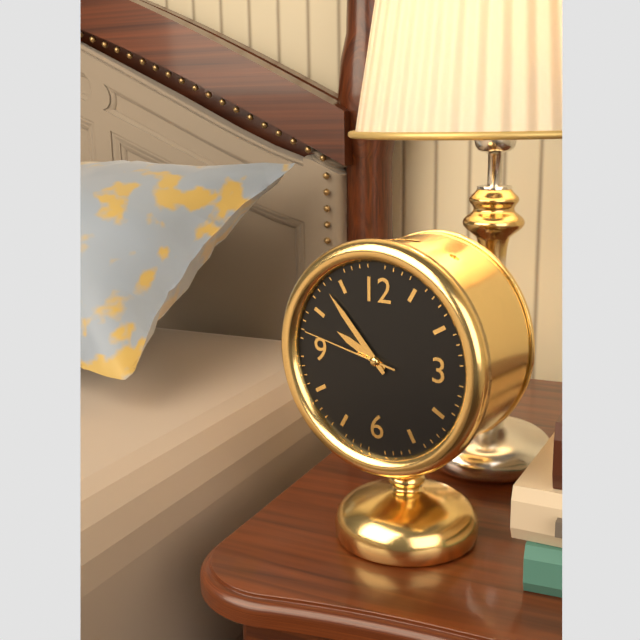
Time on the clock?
9:53:47
